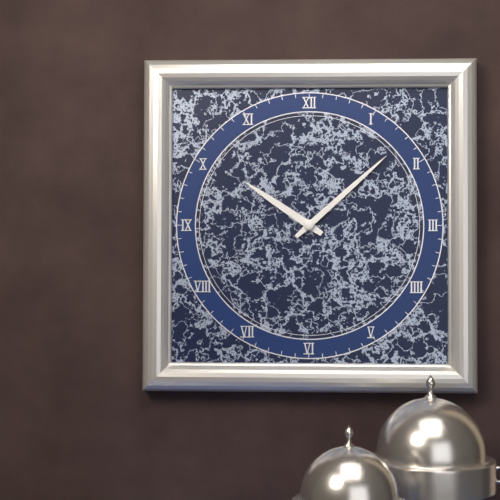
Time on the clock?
10:08
